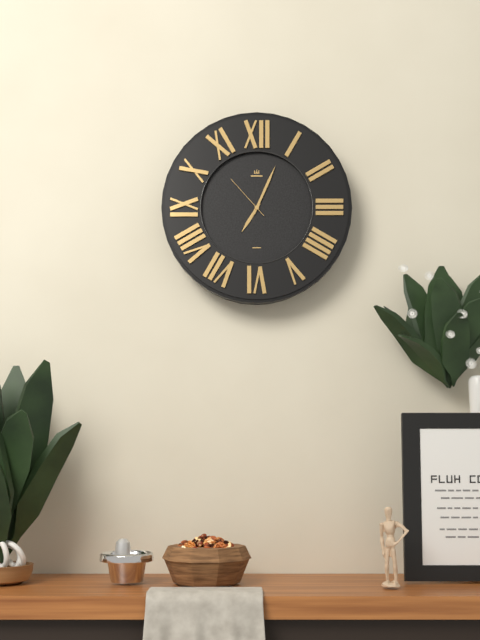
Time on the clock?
7:04:53
